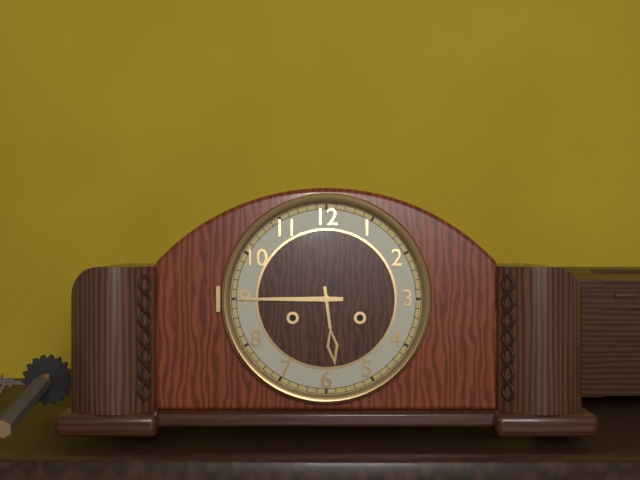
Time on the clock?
5:45
